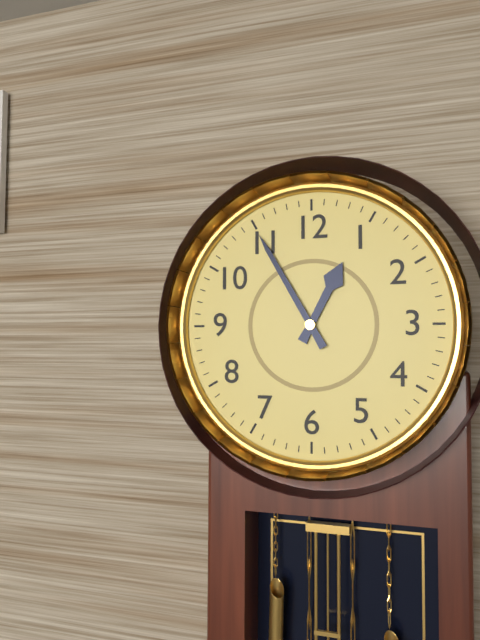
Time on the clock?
12:55
